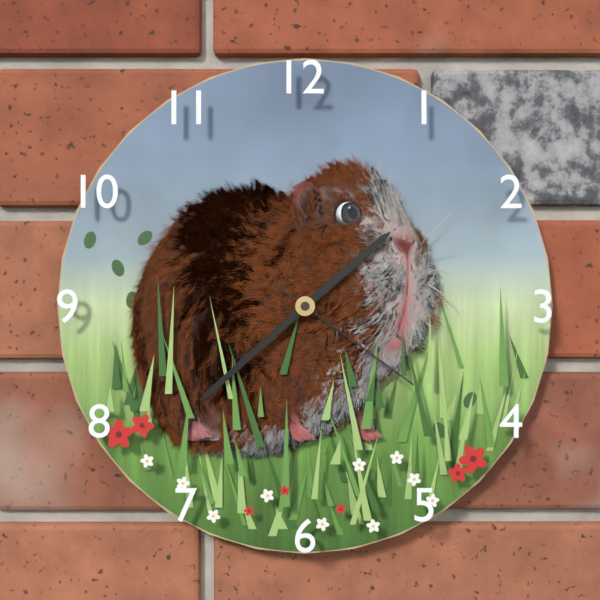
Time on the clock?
1:38:21
